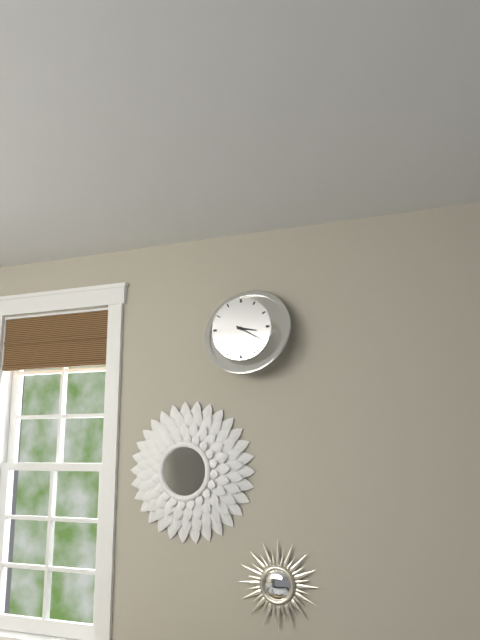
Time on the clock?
3:20
